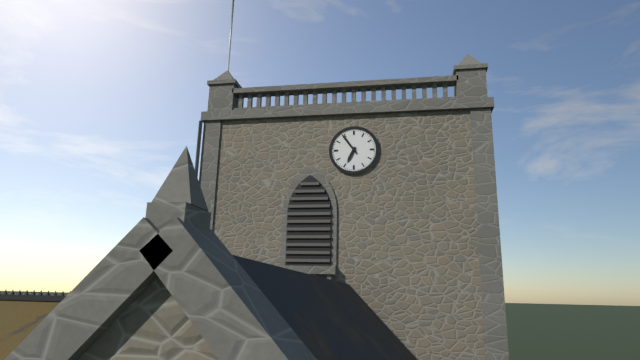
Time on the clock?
6:54
